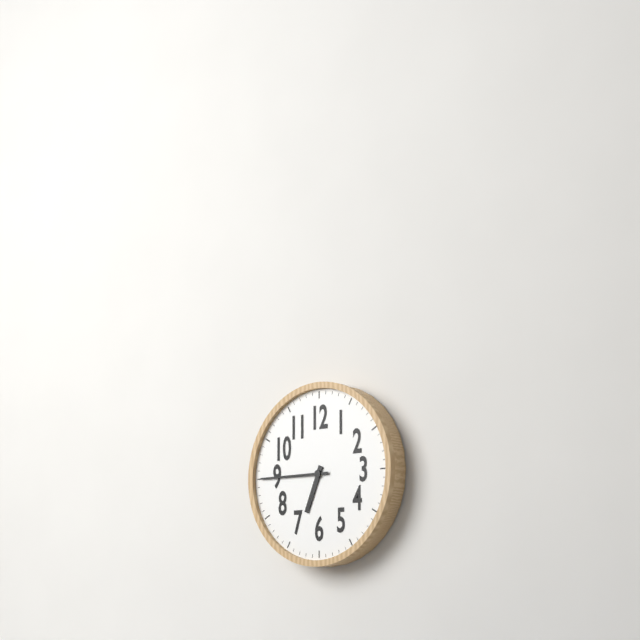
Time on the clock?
6:45
